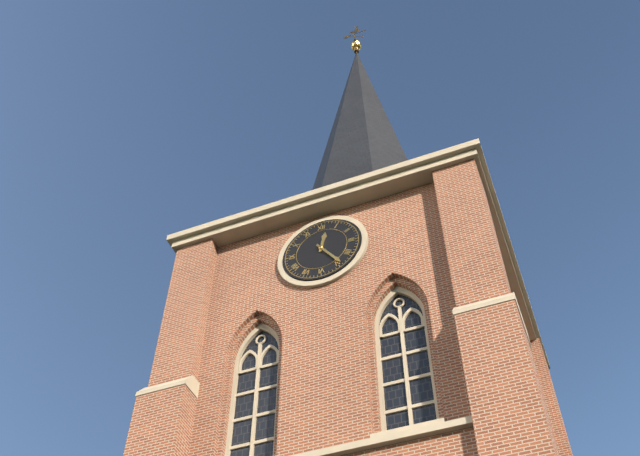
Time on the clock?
12:24
